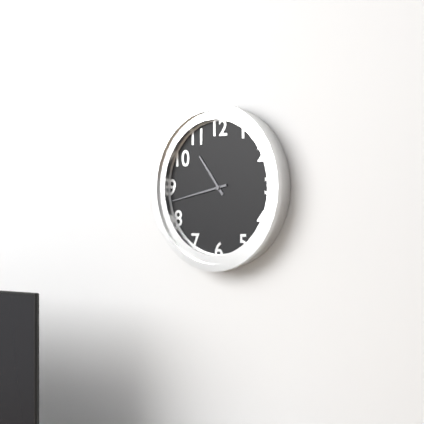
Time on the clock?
10:43
